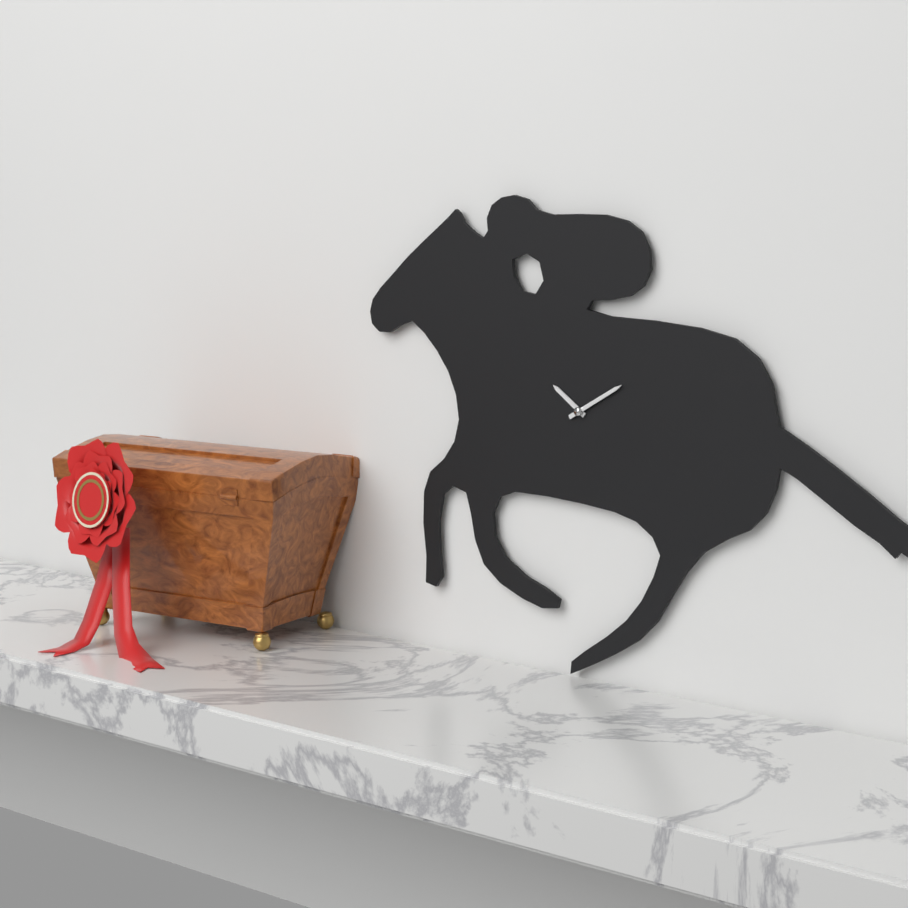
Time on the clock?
10:10
